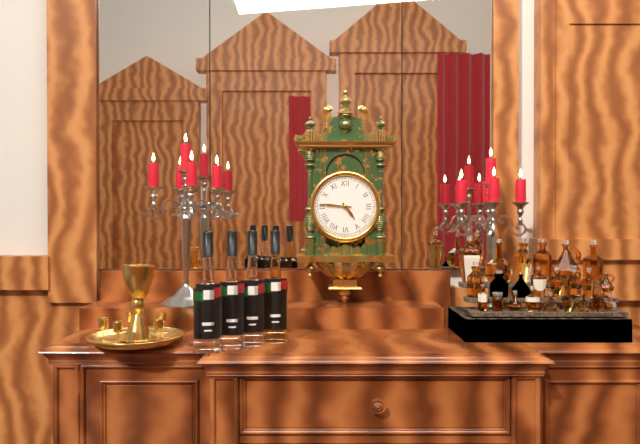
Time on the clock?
4:46
